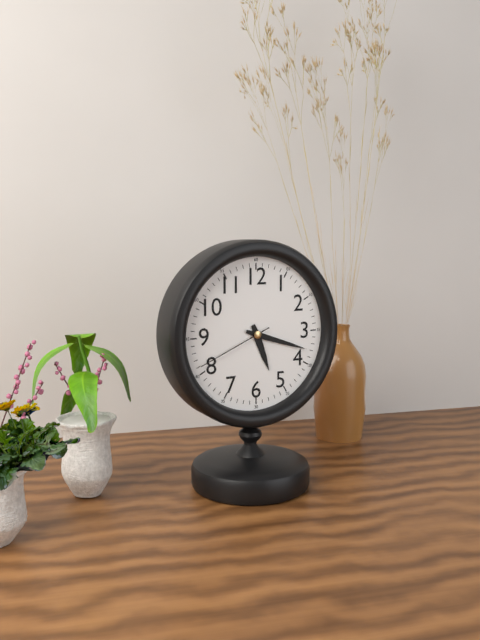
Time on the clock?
5:18:41
